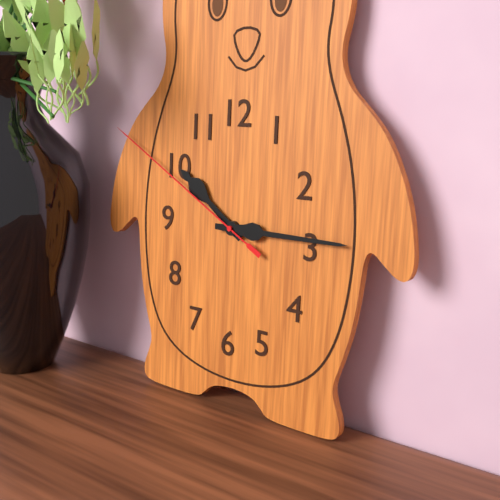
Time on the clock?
10:15:50
